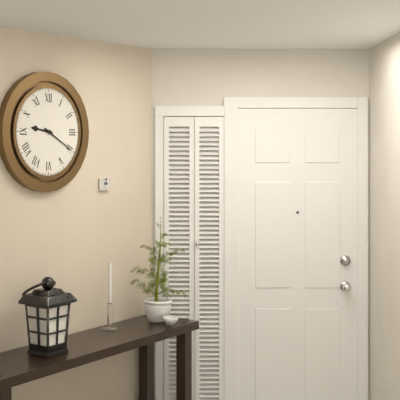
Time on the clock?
9:20
